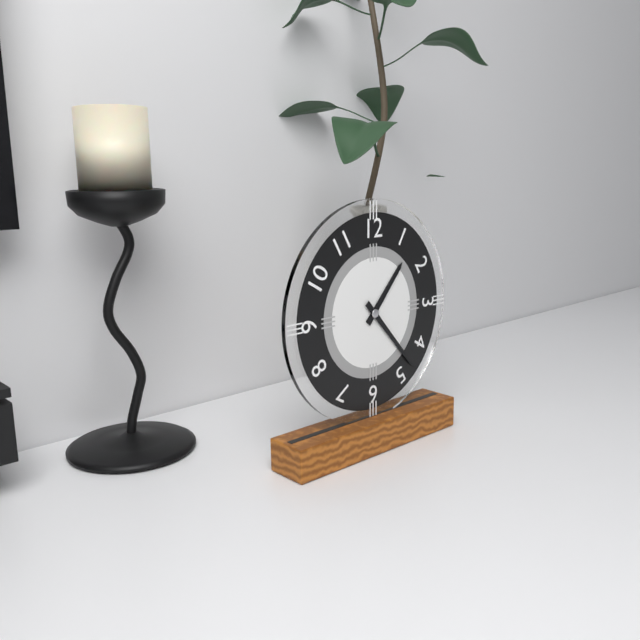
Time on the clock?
1:23
